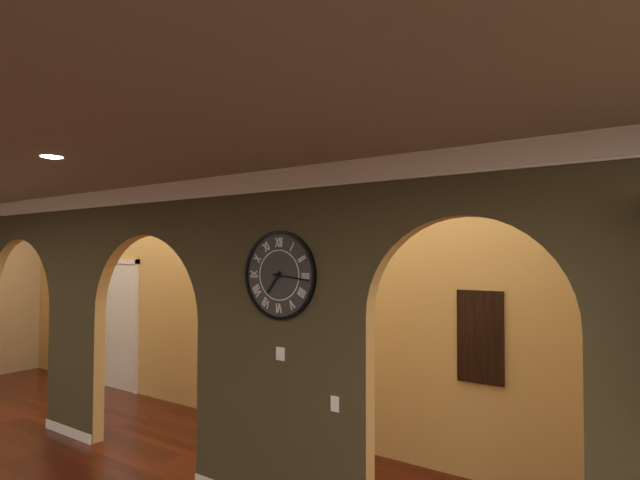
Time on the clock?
7:16
